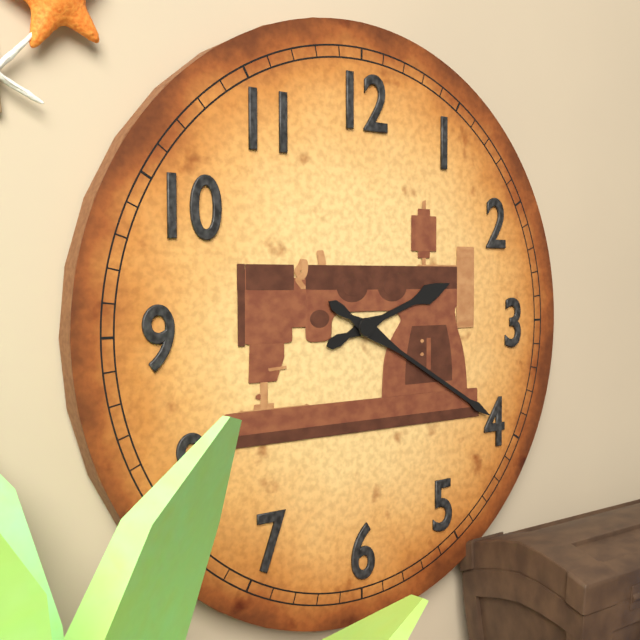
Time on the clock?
2:20
